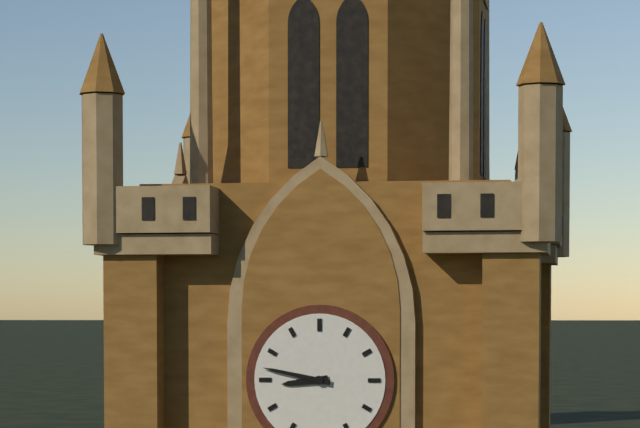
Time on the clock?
8:47
